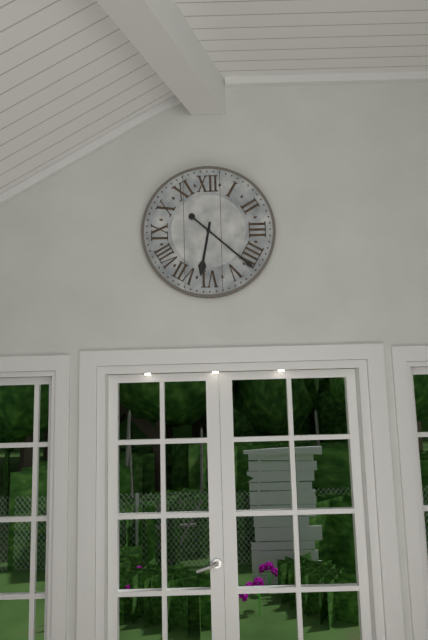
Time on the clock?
6:22
